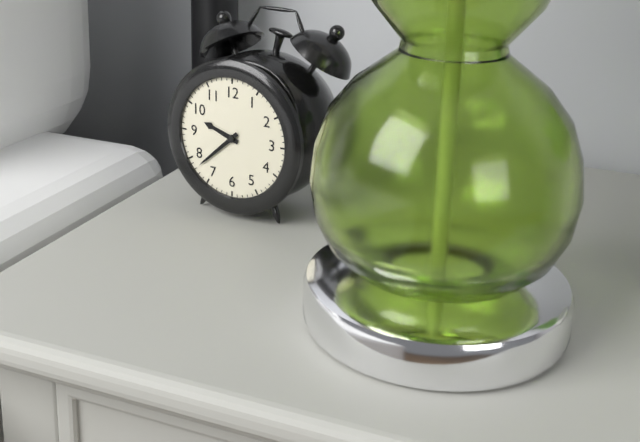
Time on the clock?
9:38
